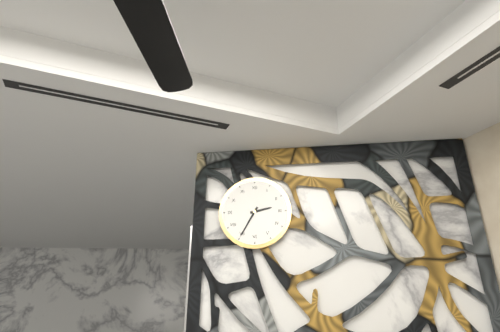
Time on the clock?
2:35
